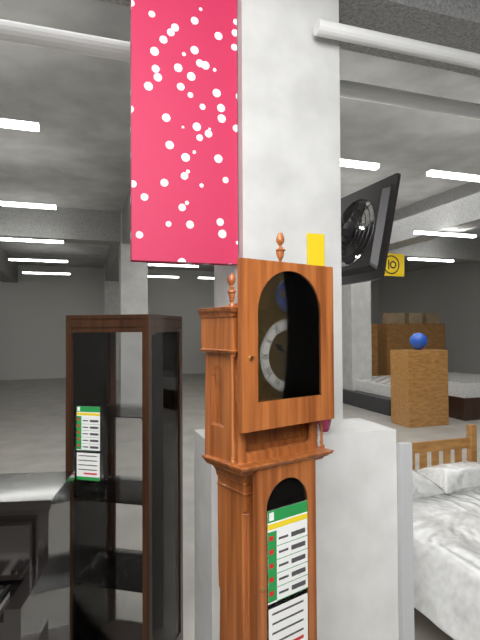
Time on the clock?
10:07
